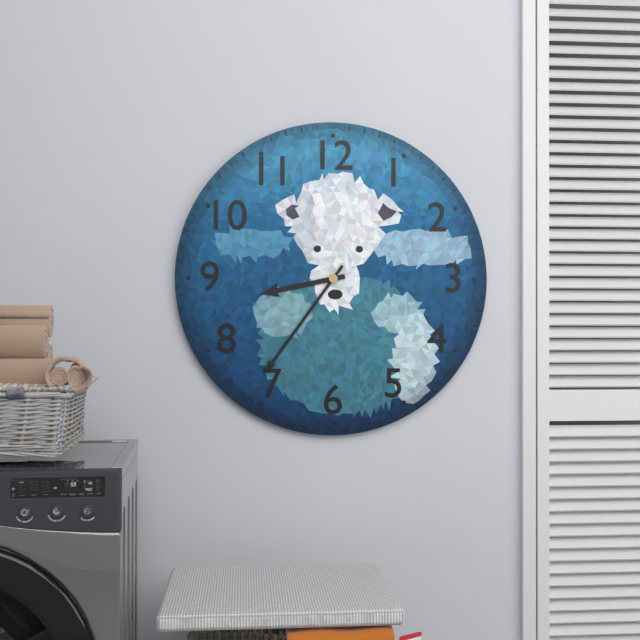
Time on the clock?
8:36
